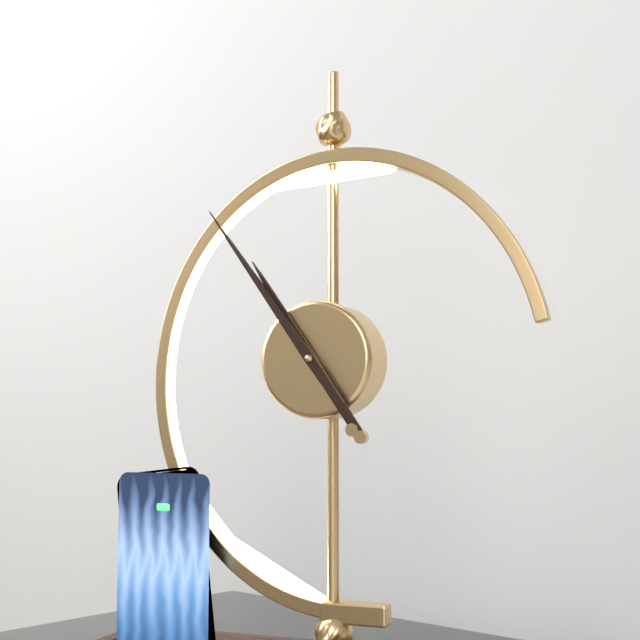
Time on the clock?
10:54
